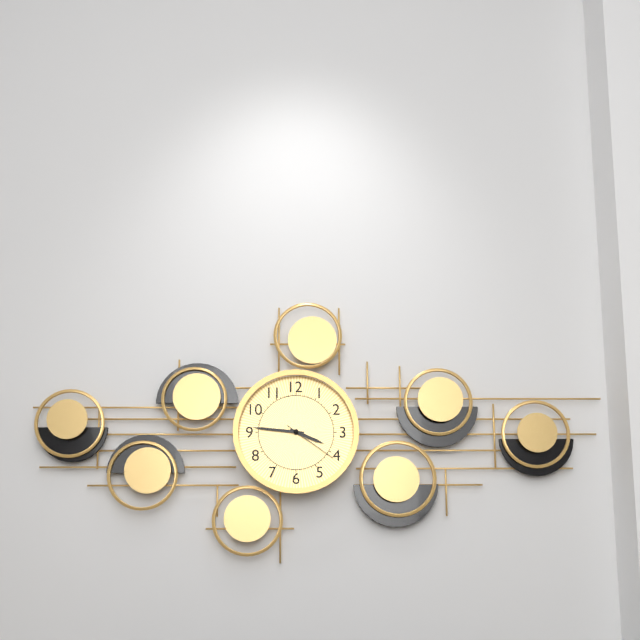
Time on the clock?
3:46:21
